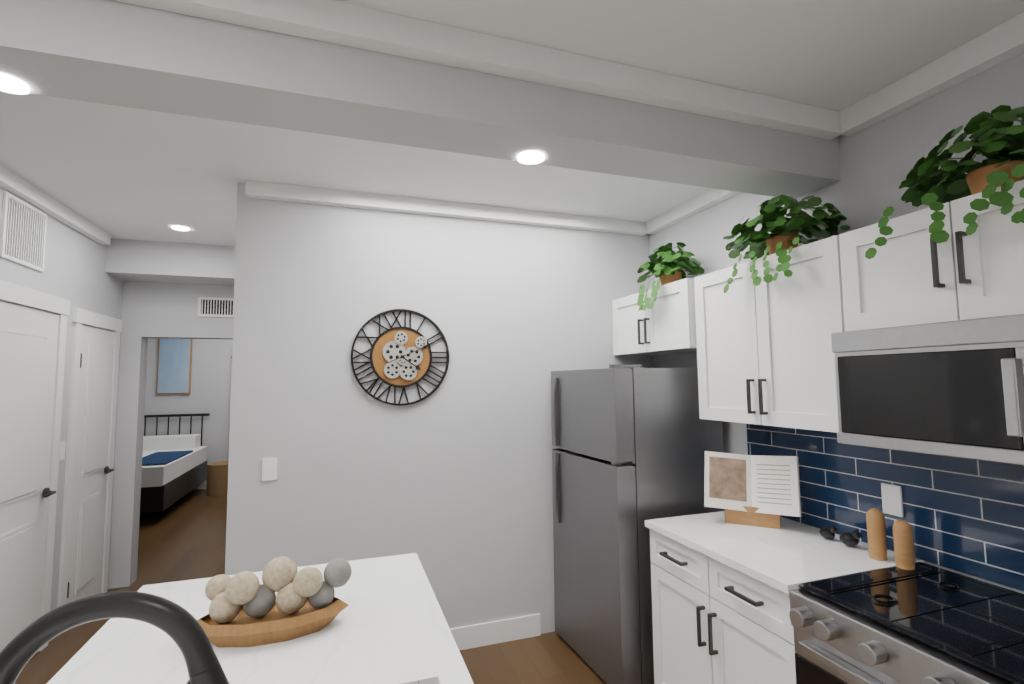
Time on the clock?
4:11
